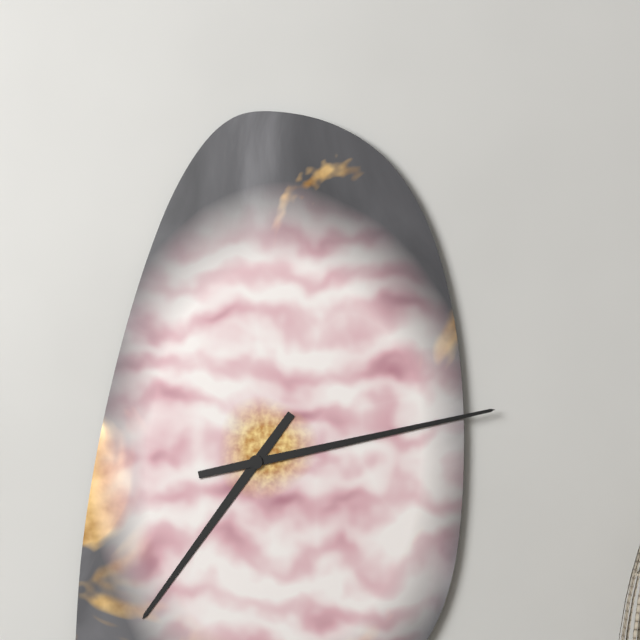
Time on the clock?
7:13
